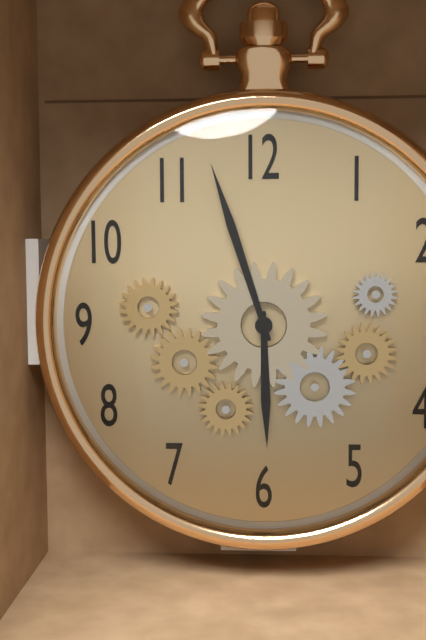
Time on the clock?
5:57
